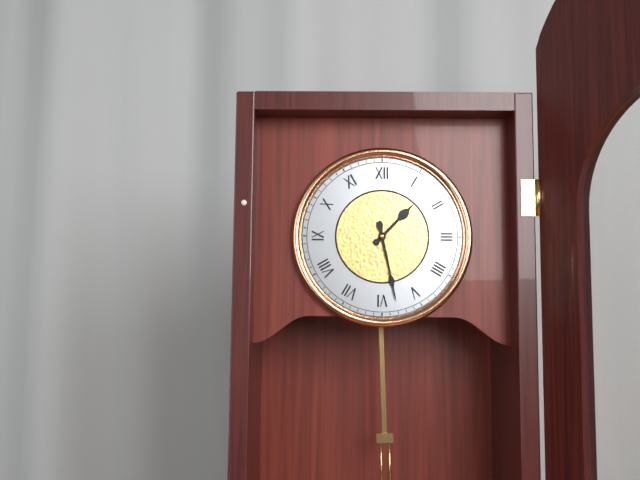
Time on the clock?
1:28
